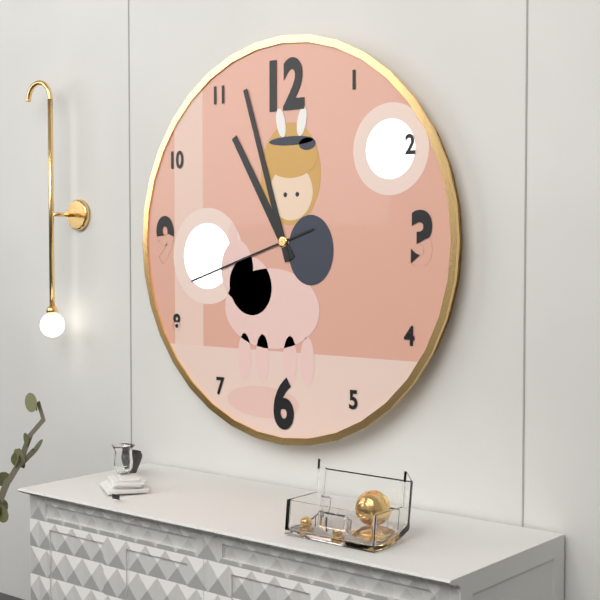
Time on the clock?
10:57:42
